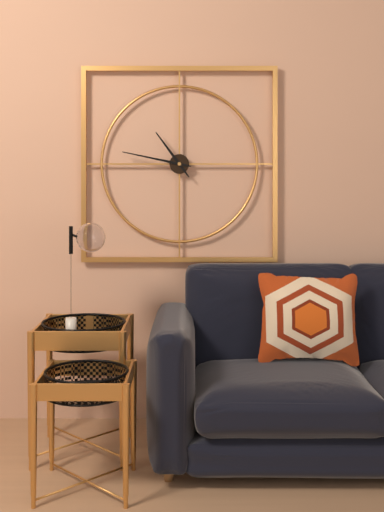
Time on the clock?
10:47
